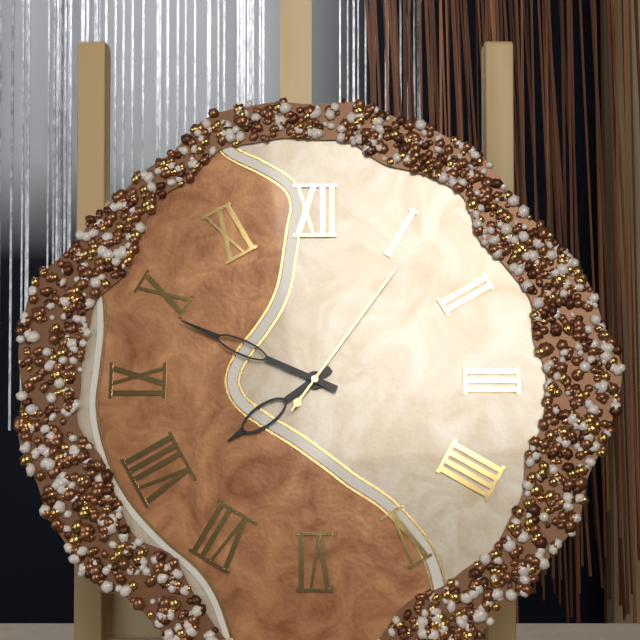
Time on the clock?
7:49:06
